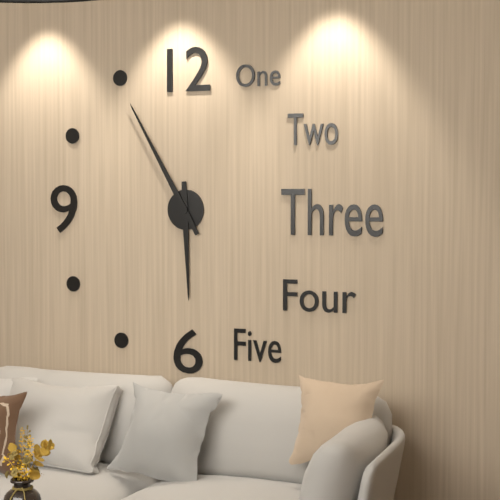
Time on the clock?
5:55
